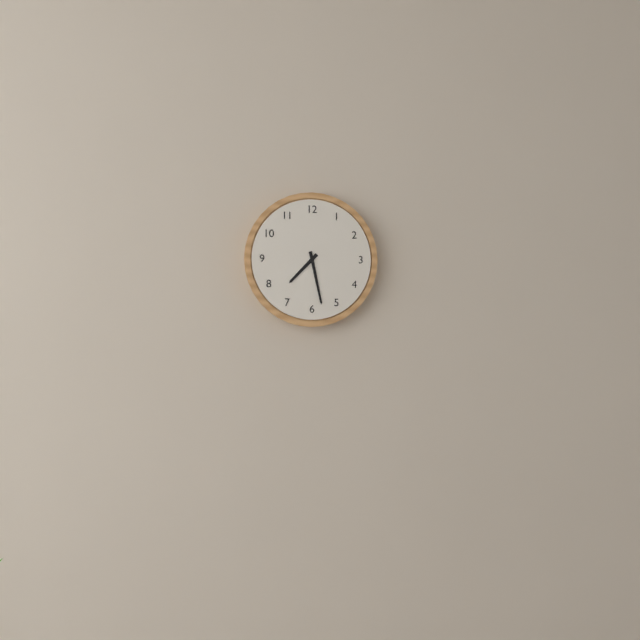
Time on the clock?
7:28
